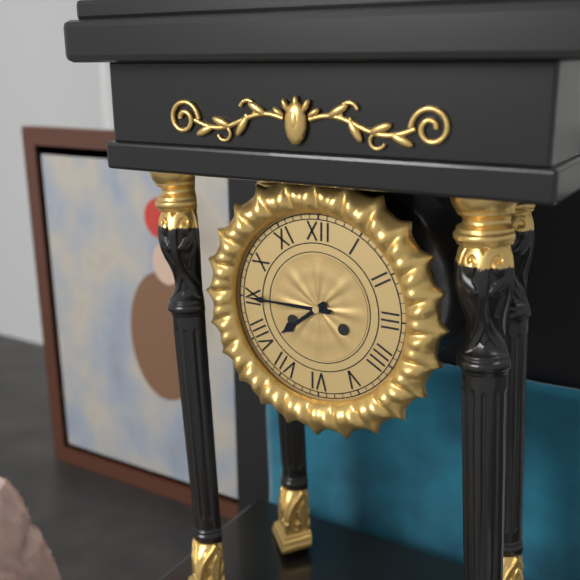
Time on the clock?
7:45
